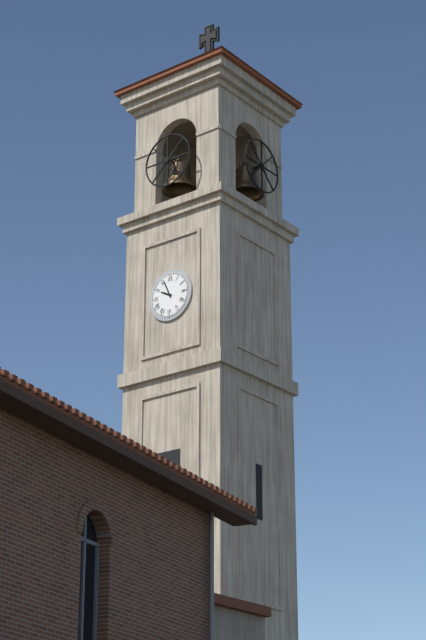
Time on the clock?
9:56
